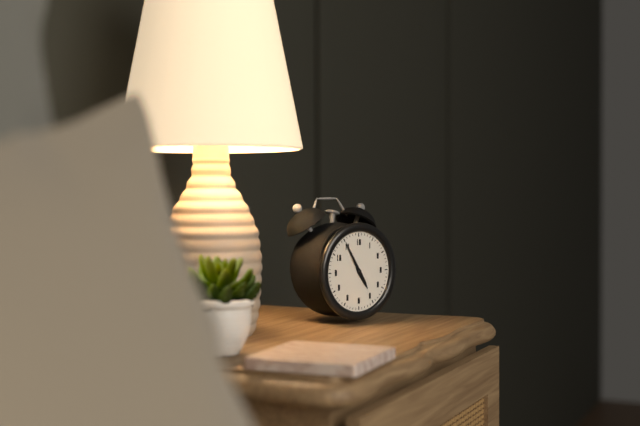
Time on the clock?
4:55
